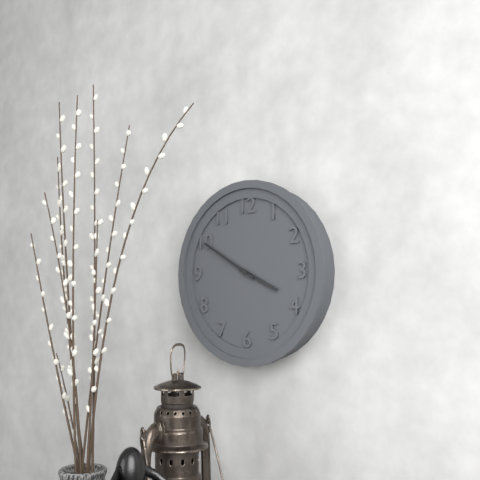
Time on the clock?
3:50
